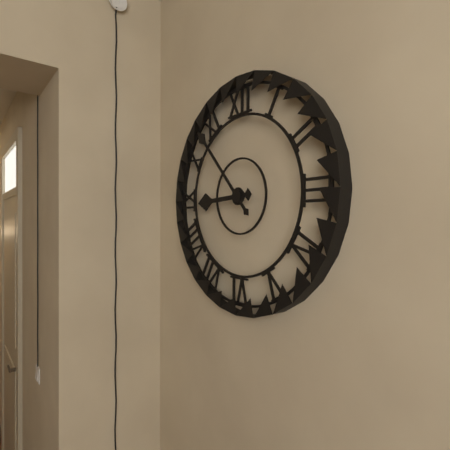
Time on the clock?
8:53
